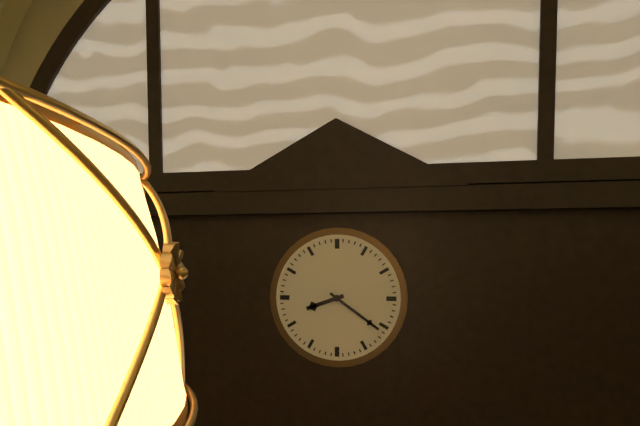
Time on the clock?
8:21
